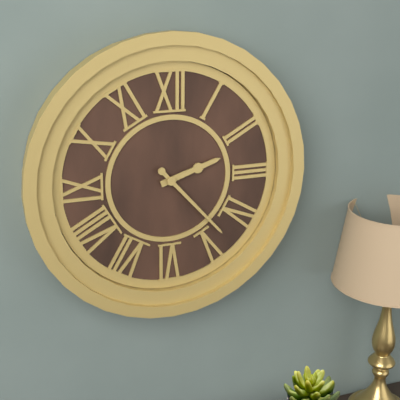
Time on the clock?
2:23
